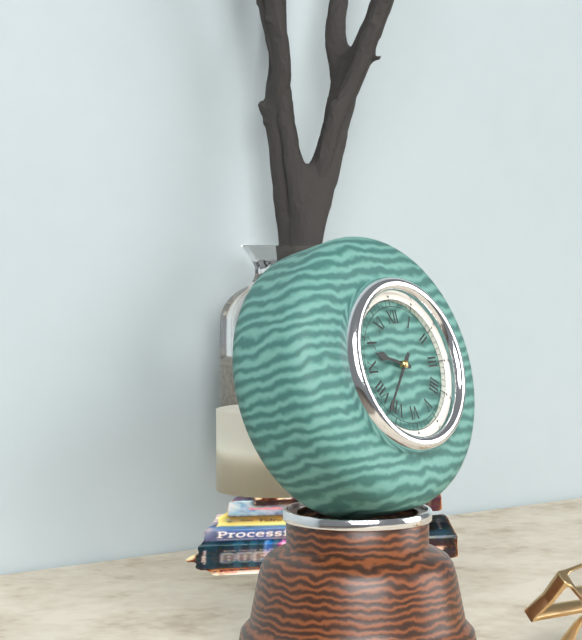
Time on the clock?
9:37
